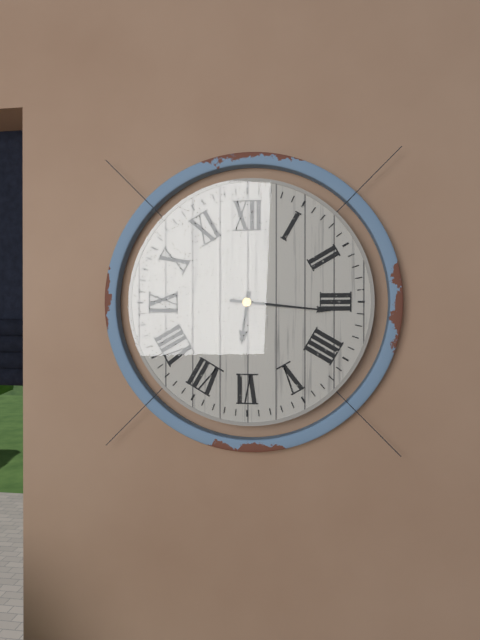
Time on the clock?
6:16
